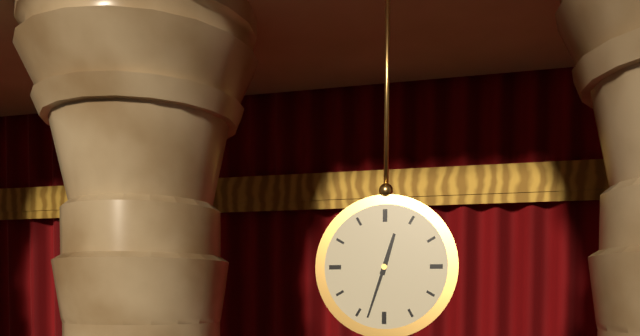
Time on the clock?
12:33
